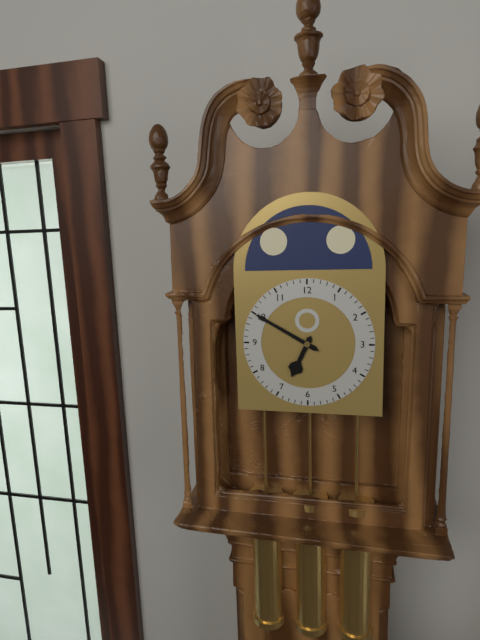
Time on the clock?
6:50
